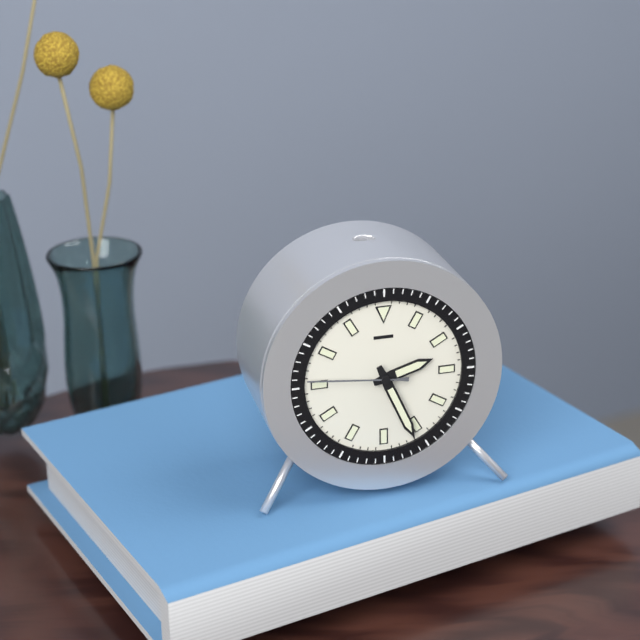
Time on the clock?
2:26:46
